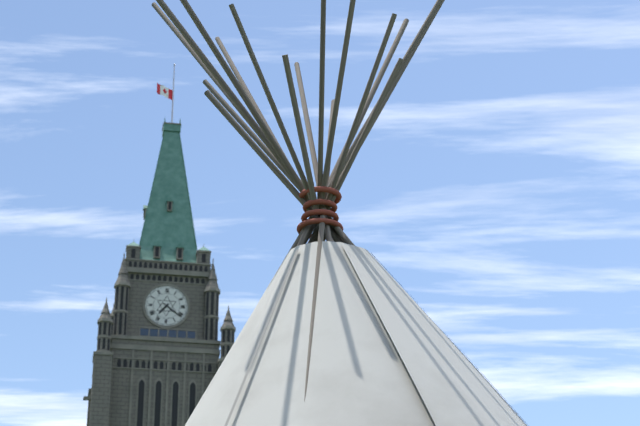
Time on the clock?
7:21
